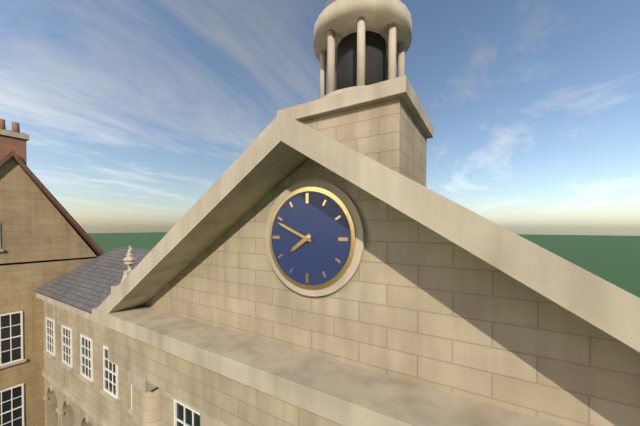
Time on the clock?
7:49
